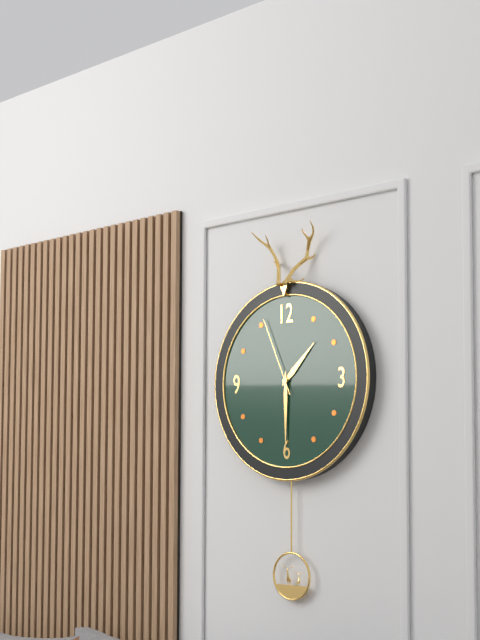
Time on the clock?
1:30:56
